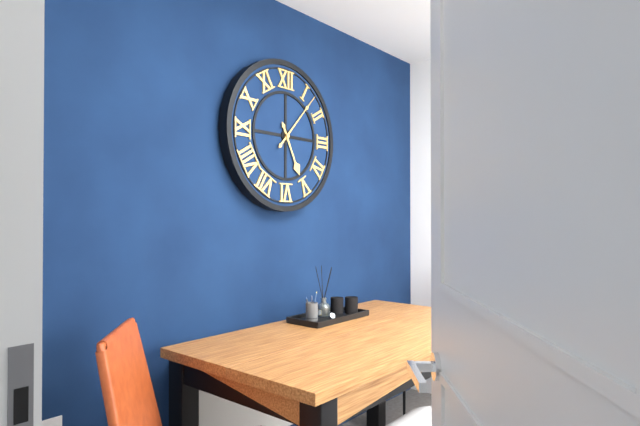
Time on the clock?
5:07
